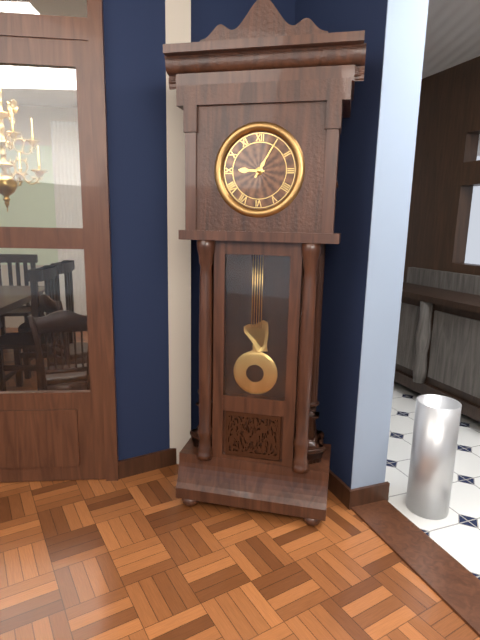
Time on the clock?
9:05
